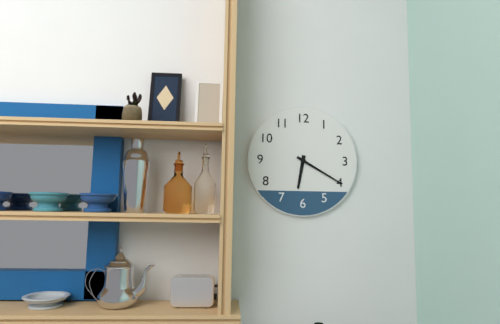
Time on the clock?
6:20
